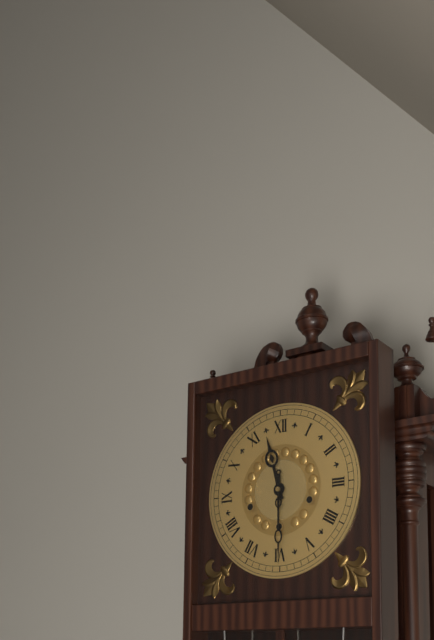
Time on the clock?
11:30
